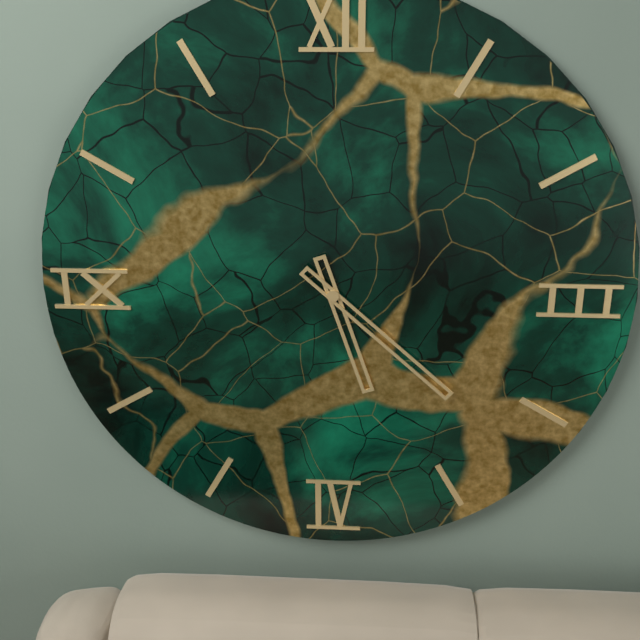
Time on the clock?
5:22
